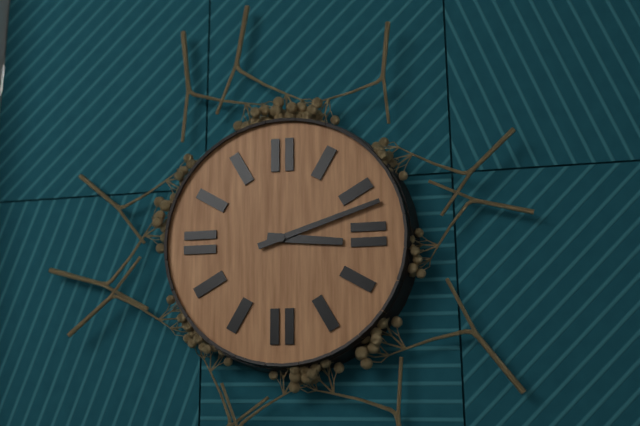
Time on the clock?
3:12
